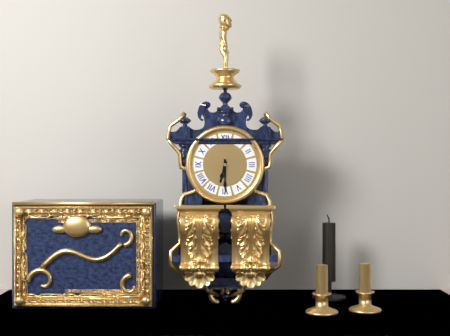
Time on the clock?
6:30
